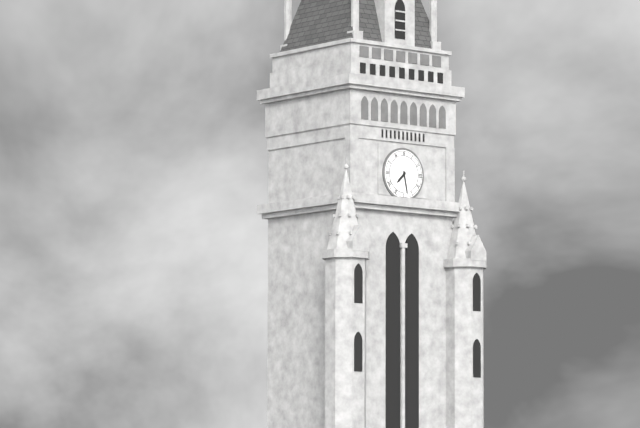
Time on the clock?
7:28
